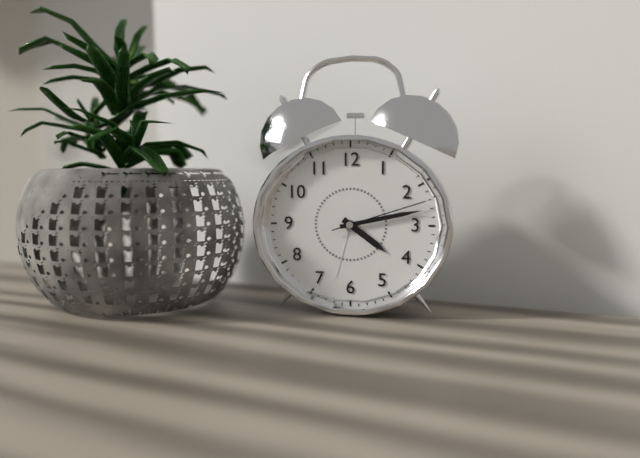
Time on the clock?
4:13:12
